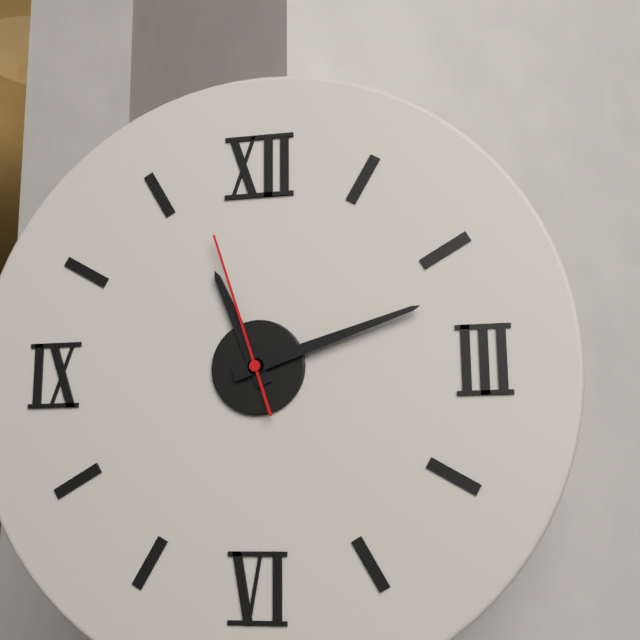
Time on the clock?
11:12:57
